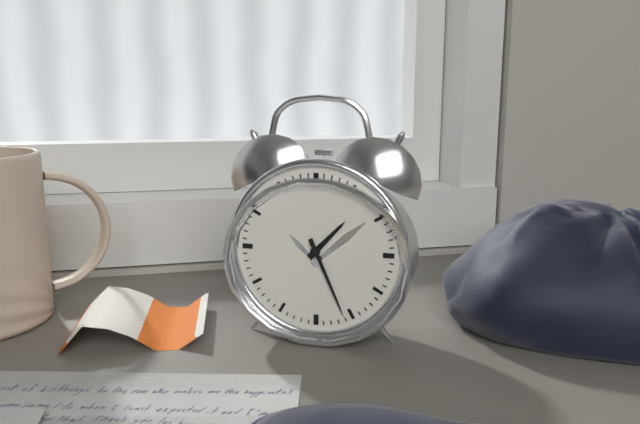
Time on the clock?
1:26
